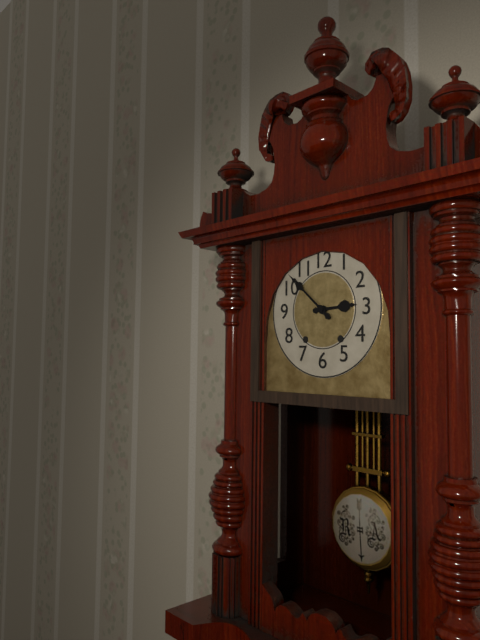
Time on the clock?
2:52
